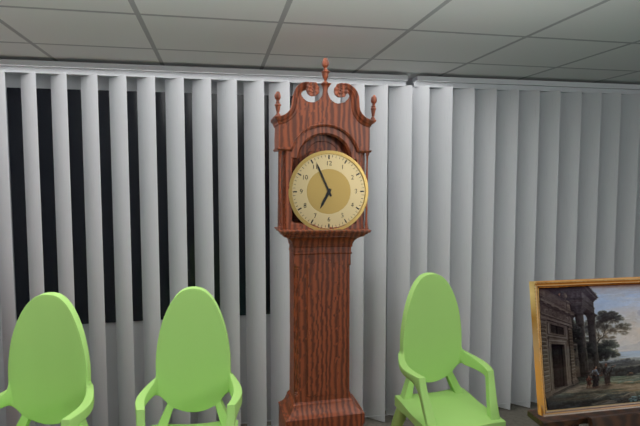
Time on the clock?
6:56
